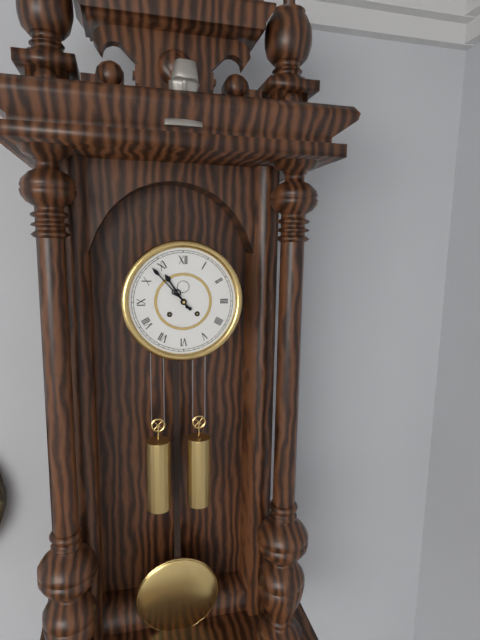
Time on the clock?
10:53
